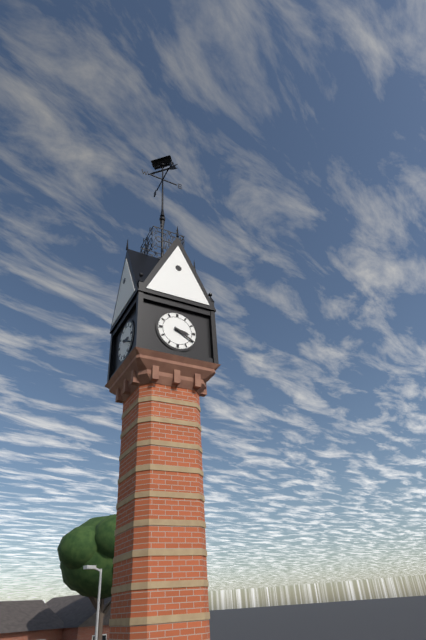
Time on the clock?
3:20
